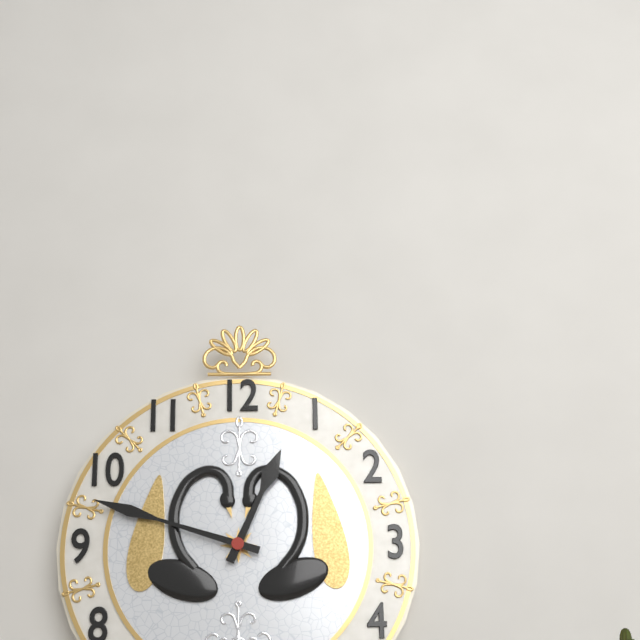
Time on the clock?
12:48
